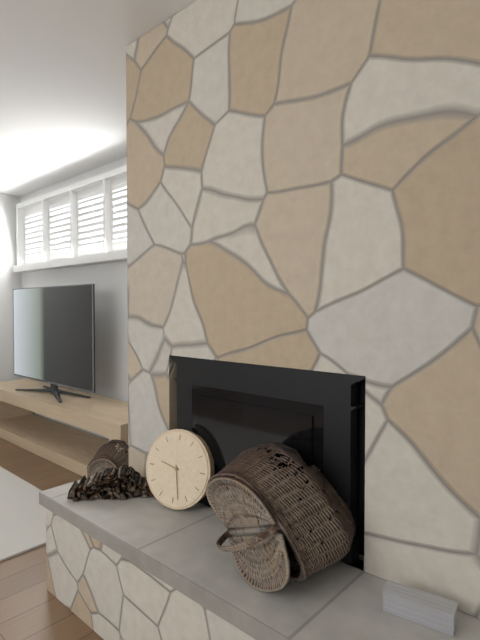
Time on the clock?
9:28
